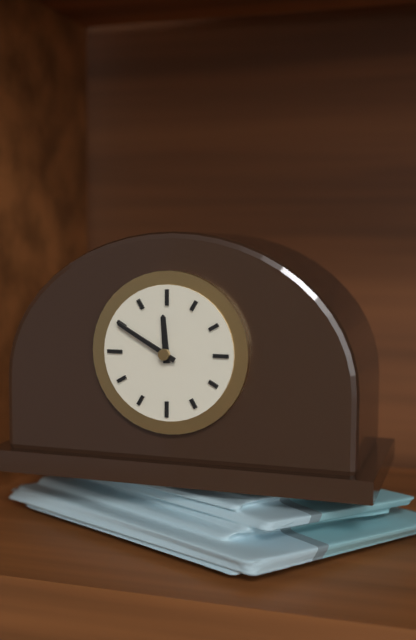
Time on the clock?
11:50
